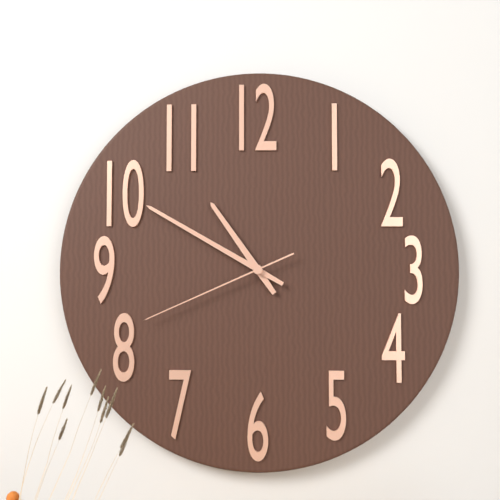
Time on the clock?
10:50:41
